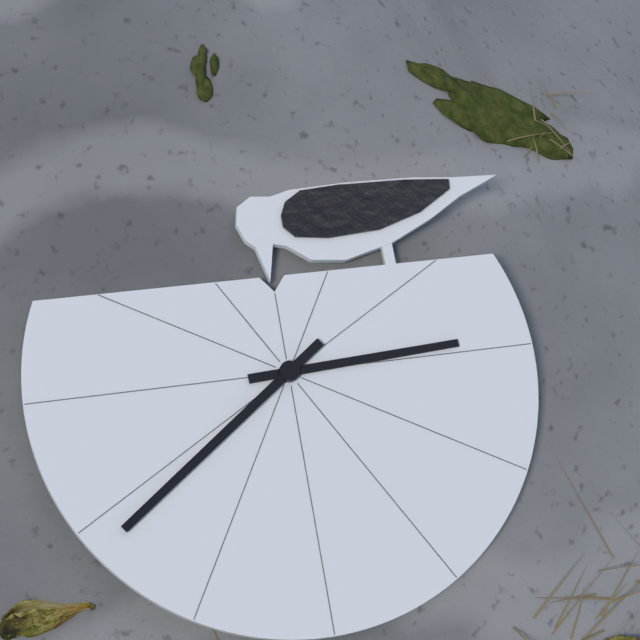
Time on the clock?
5:54
